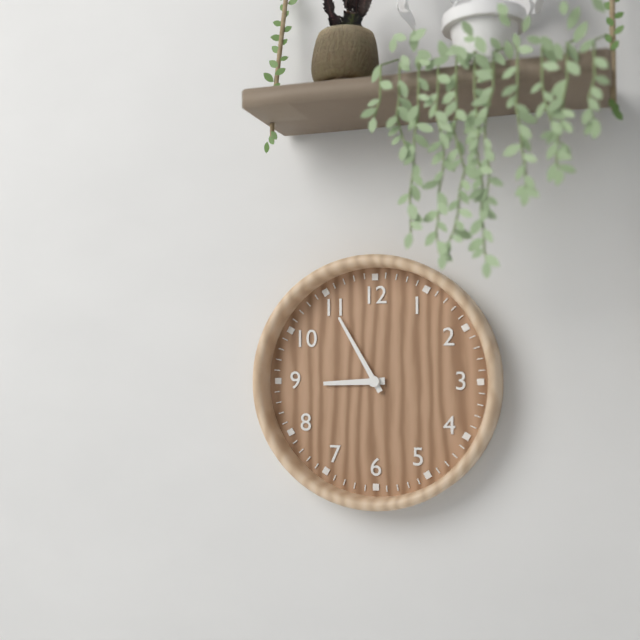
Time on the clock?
8:55
